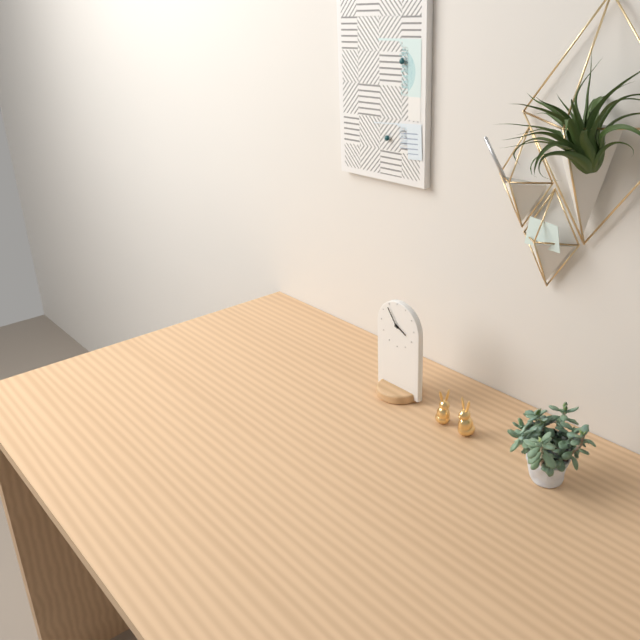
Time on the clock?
3:54
